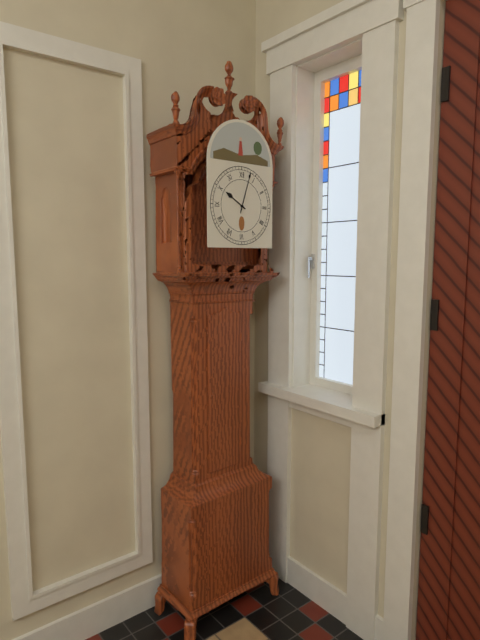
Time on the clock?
10:03
